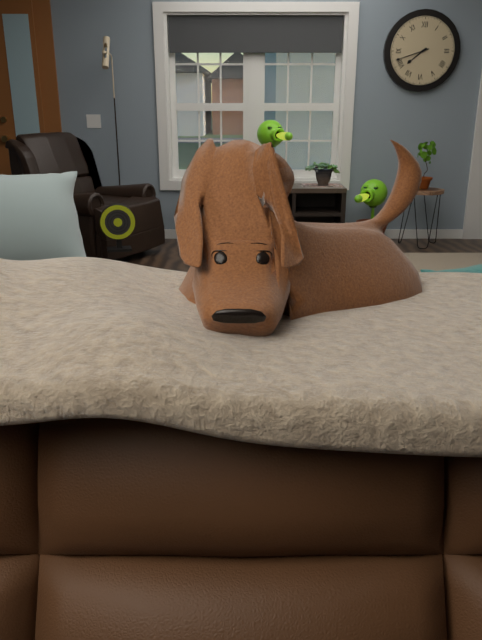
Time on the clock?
7:42
